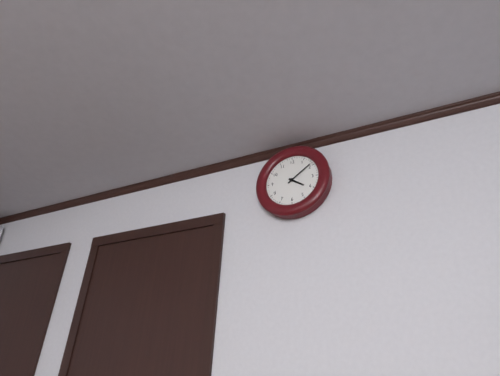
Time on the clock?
4:09
